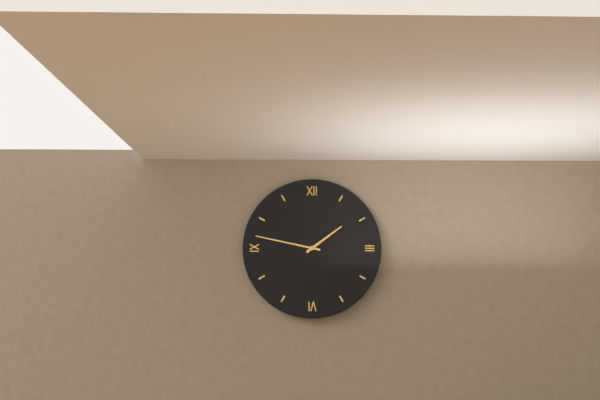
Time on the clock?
1:47
